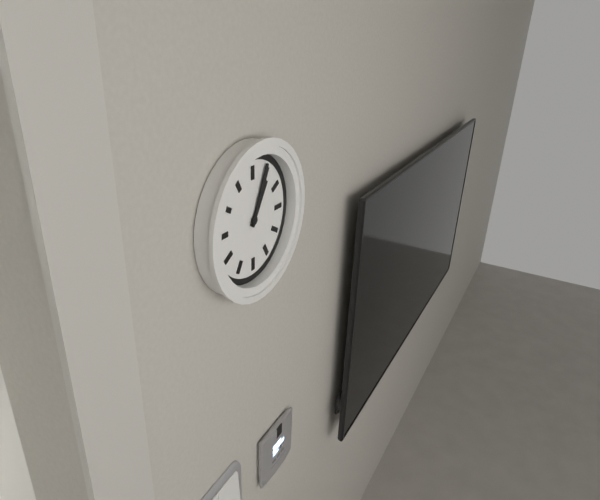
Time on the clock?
1:04
